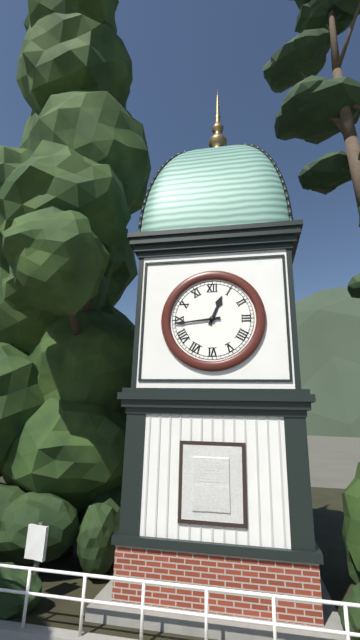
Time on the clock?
12:44
